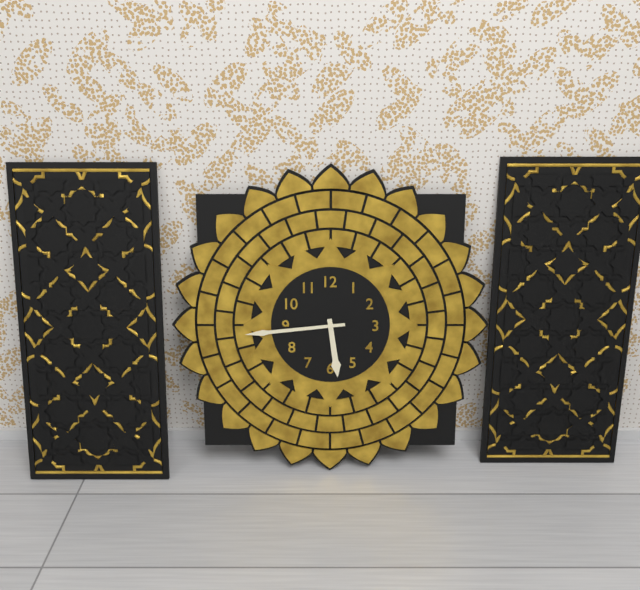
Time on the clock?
5:44
